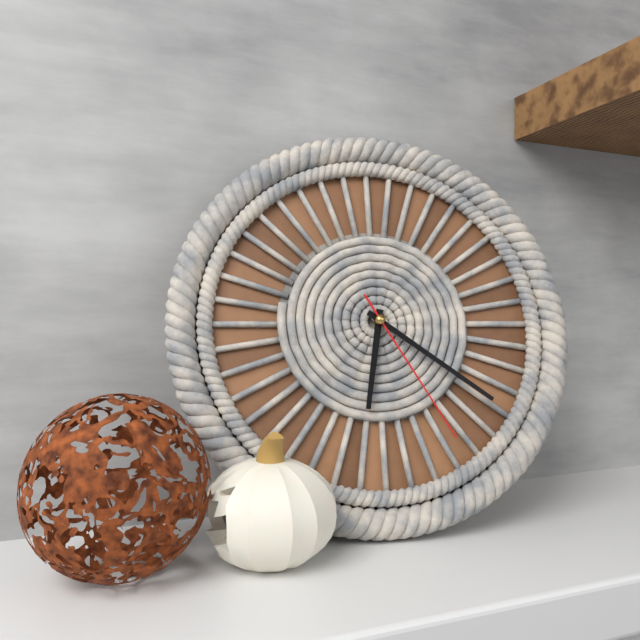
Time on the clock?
6:21:25
